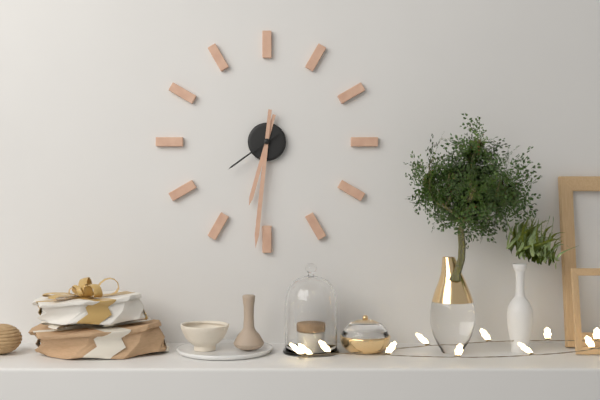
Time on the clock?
6:31:39
